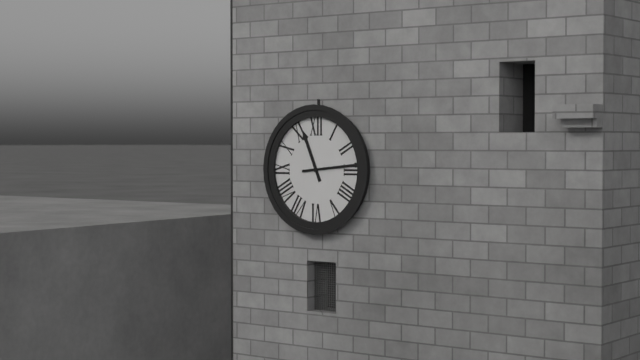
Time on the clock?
11:14
